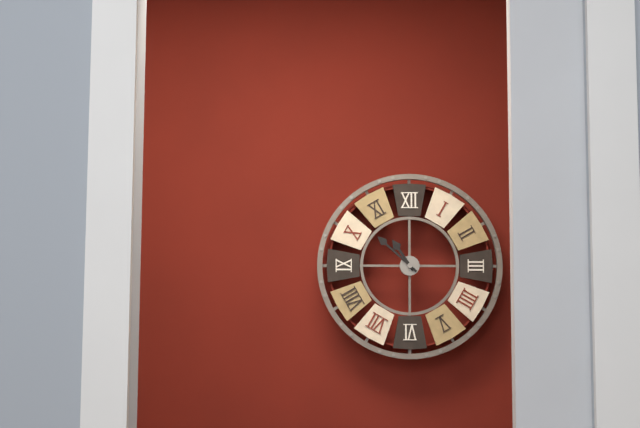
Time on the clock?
10:52
